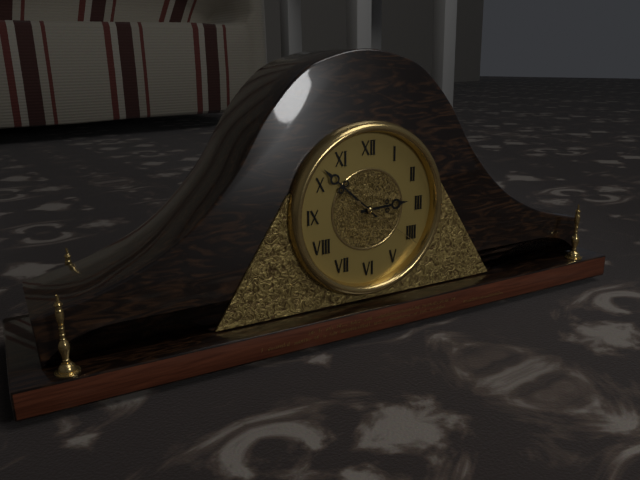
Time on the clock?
2:52:21
